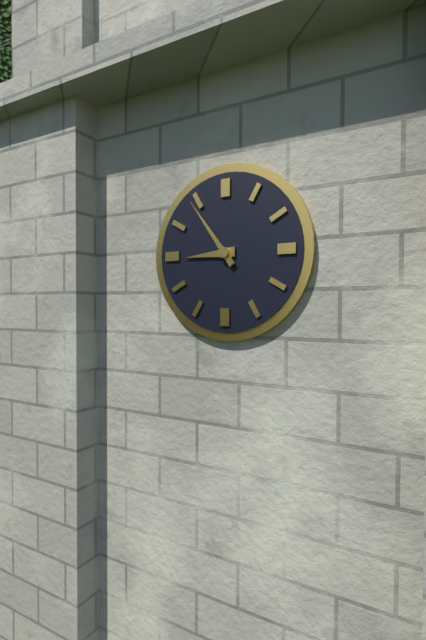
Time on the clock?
8:54
